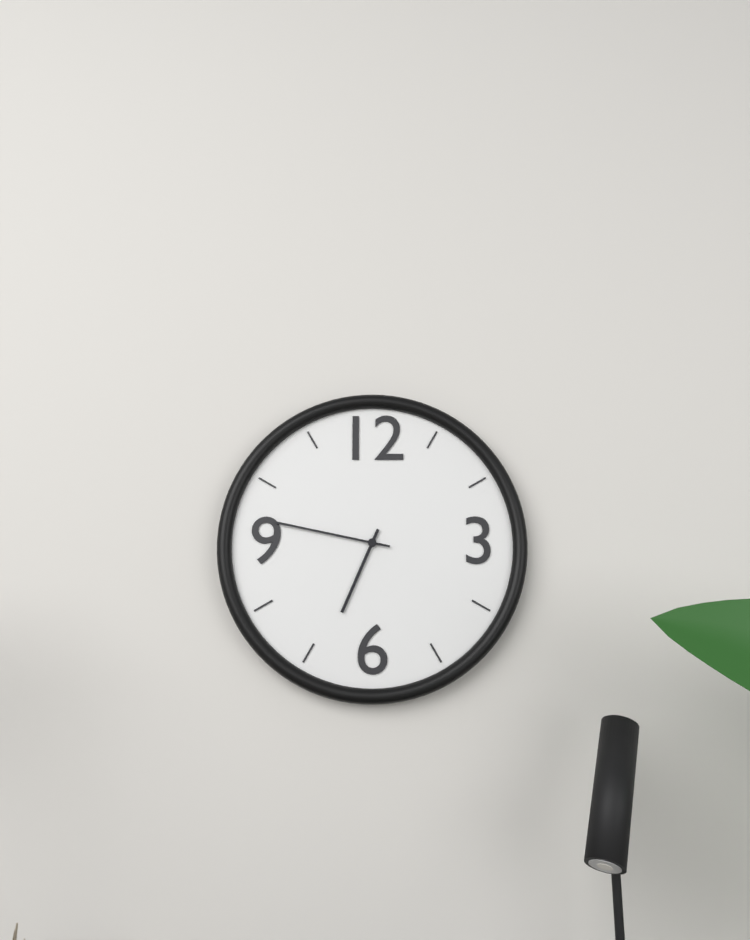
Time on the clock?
6:47
